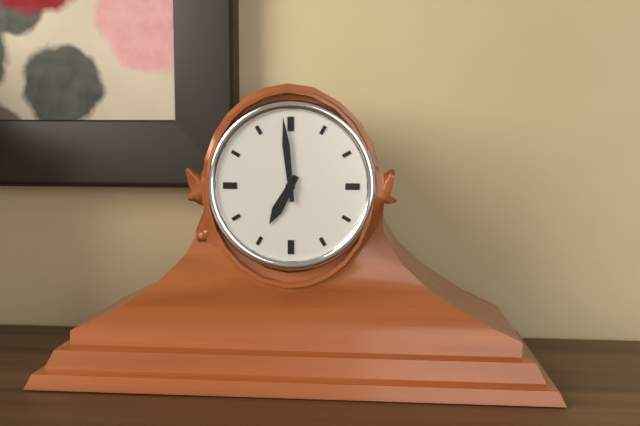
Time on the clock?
6:59
